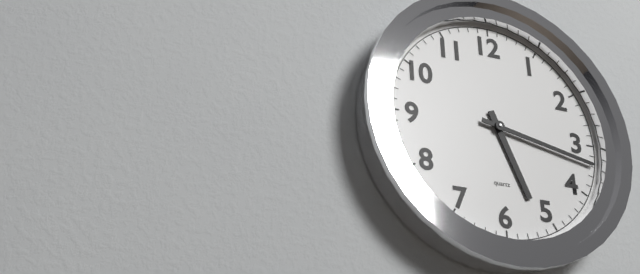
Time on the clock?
5:17
